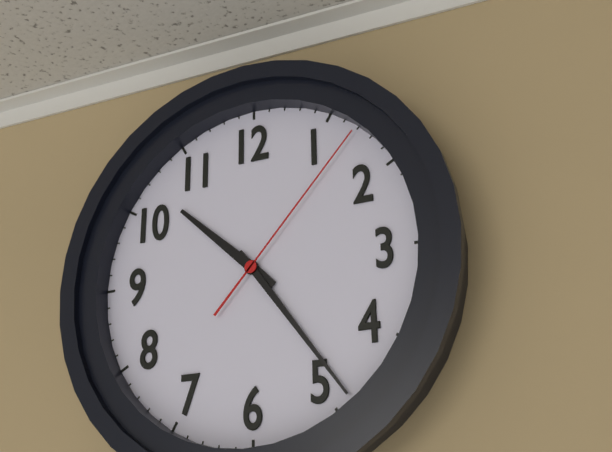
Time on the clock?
10:24:07
